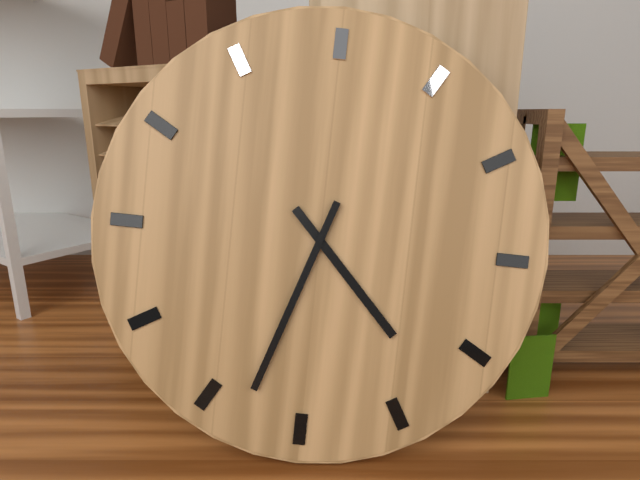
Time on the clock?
4:33
